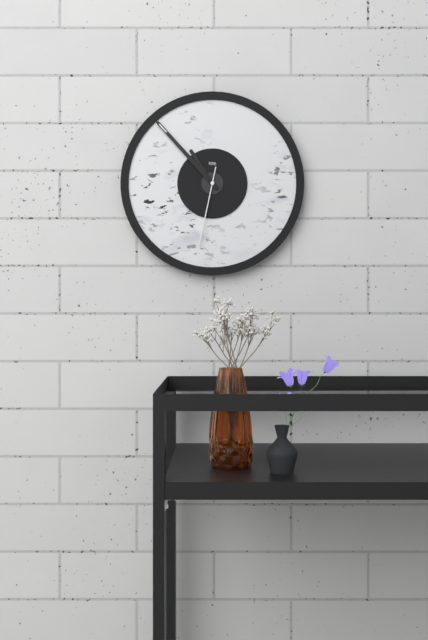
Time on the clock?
10:53:32
